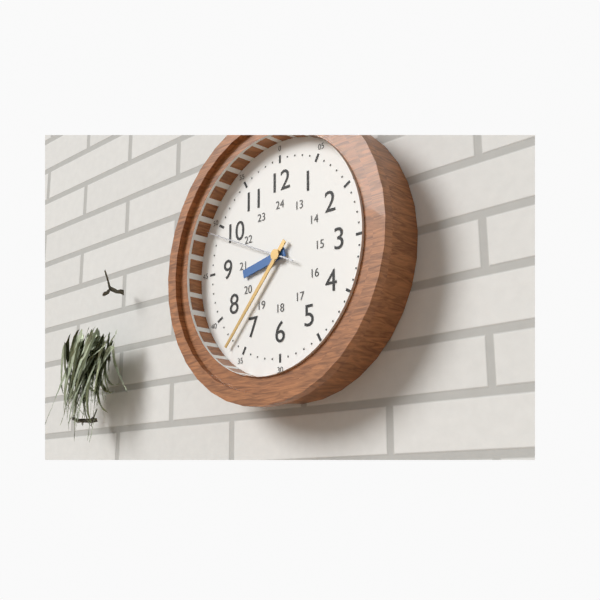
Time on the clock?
8:37:49
